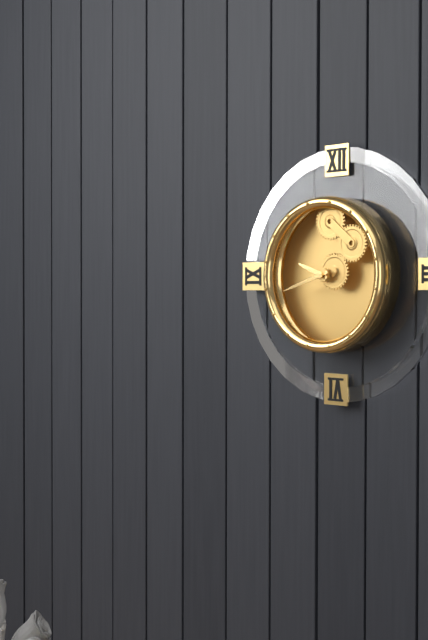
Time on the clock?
9:42
